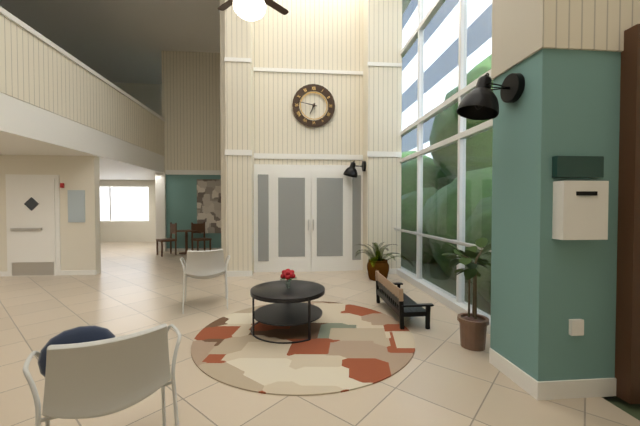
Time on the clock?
6:47
